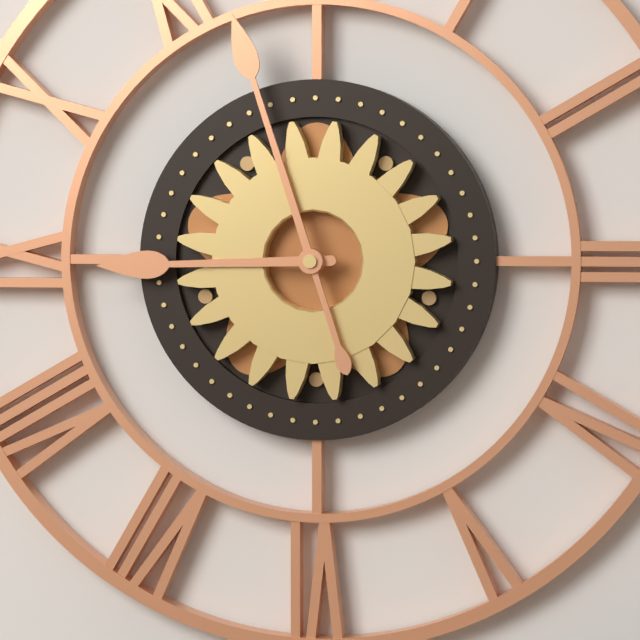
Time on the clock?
8:57
